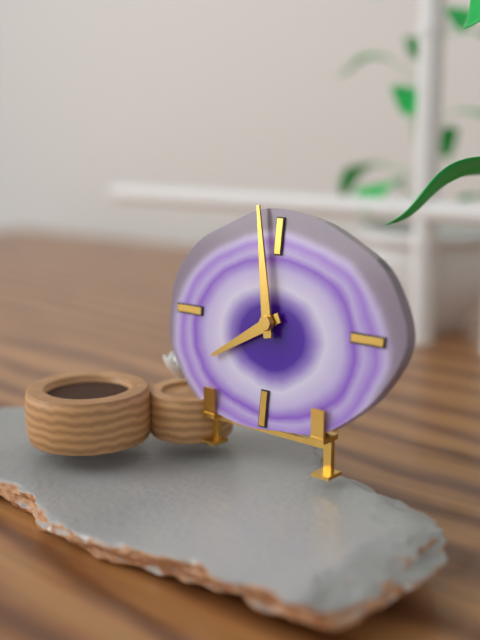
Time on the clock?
7:58
